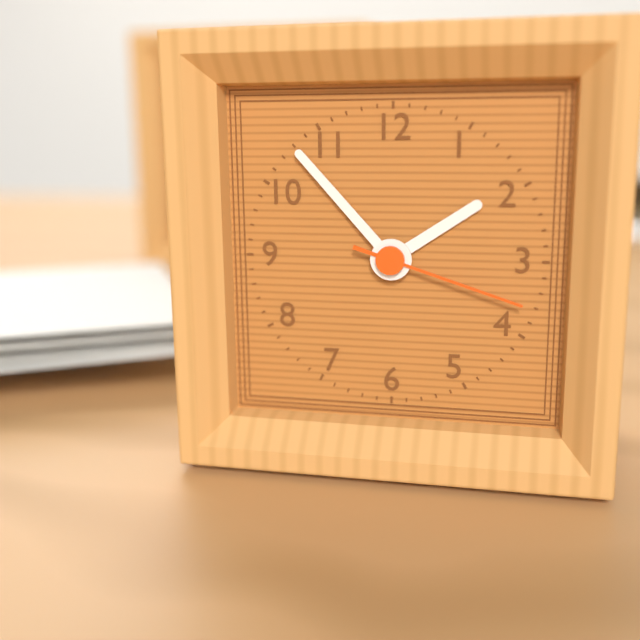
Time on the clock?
1:53:18
